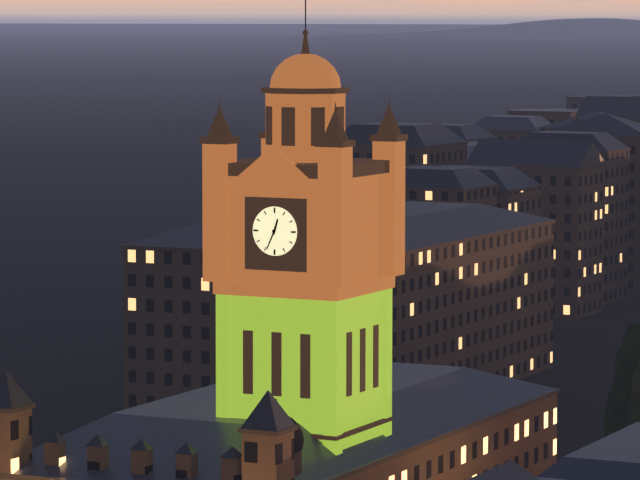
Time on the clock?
12:34
